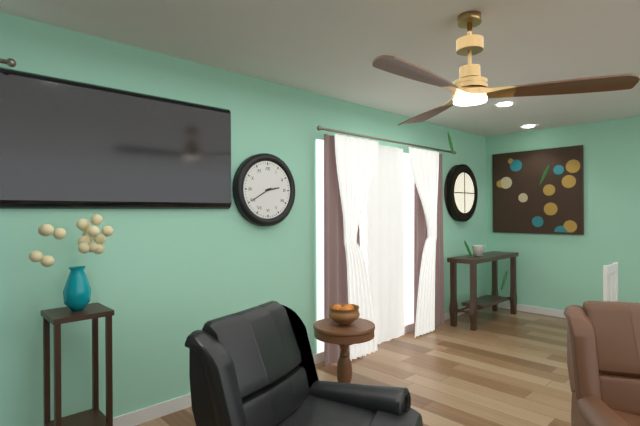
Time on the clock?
2:40
